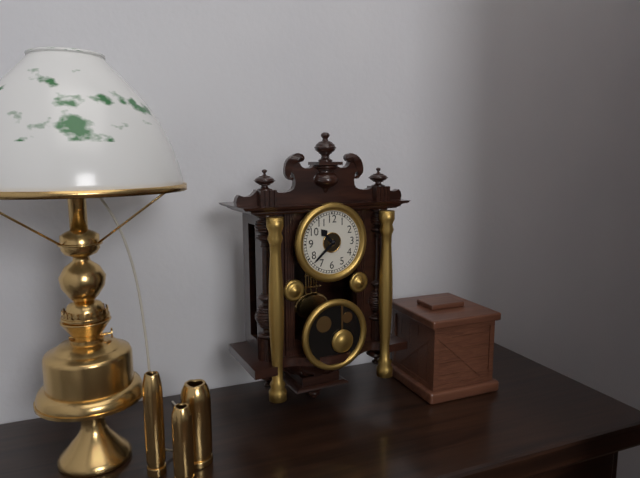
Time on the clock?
10:38
